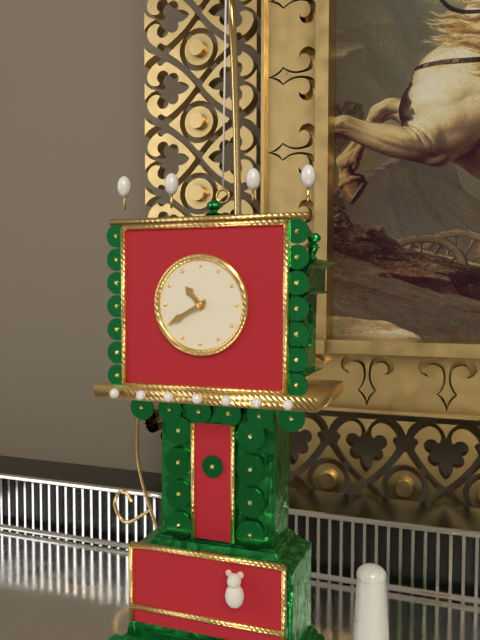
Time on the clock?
10:40
